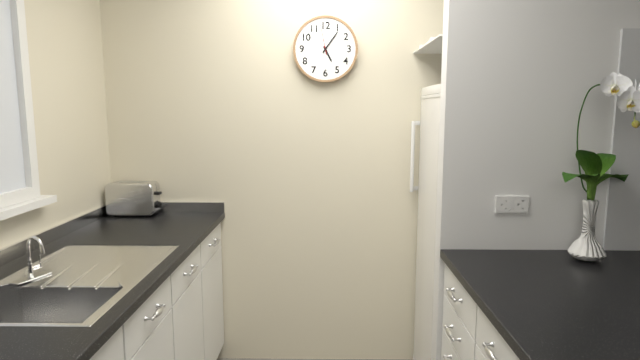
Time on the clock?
5:06
